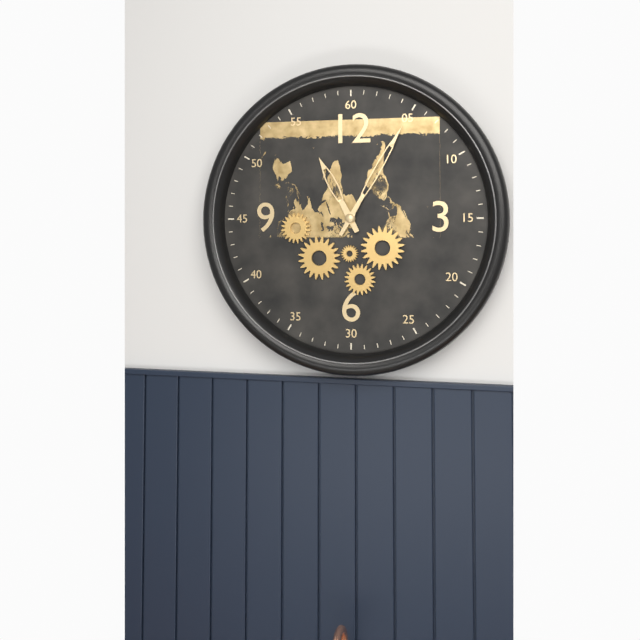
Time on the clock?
11:05
